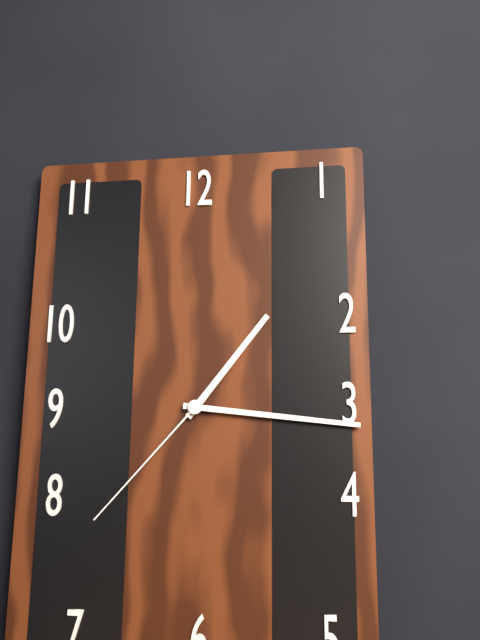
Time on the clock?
1:16:37
